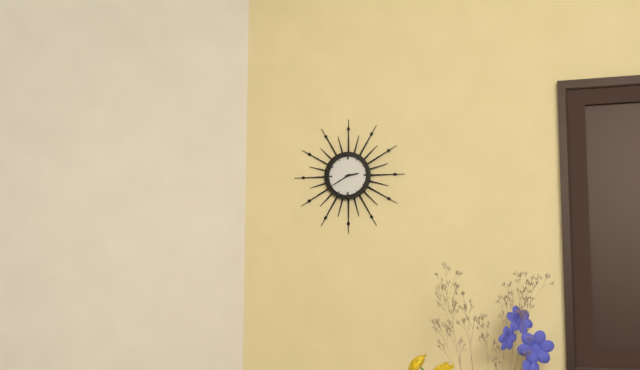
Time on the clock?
2:40
